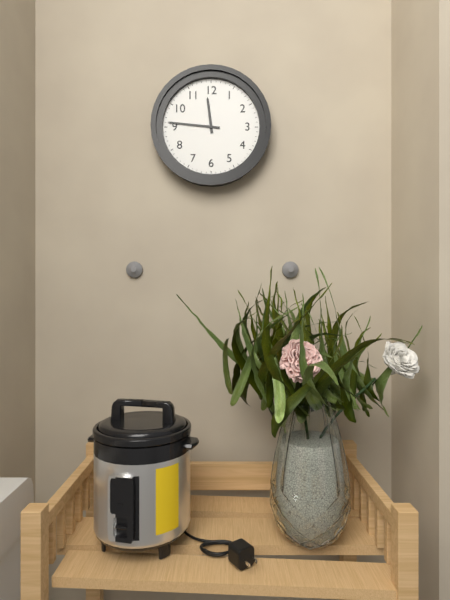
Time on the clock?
11:46
